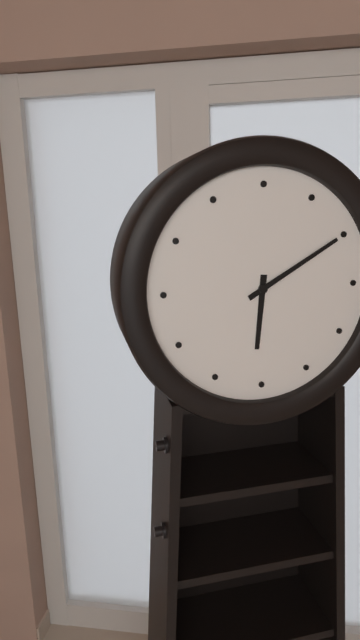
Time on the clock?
6:10
